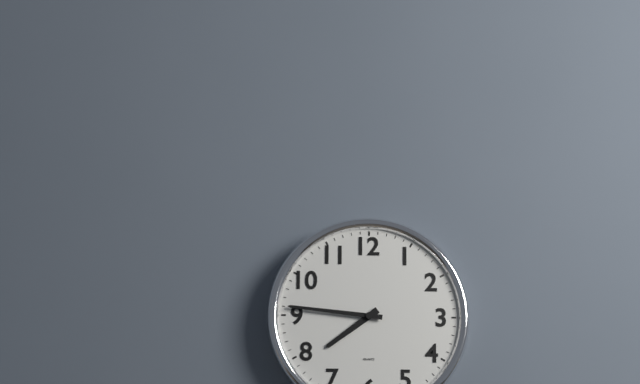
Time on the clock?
7:46
